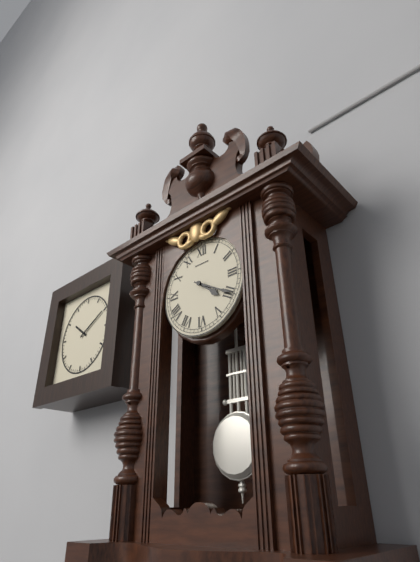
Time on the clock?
4:20
